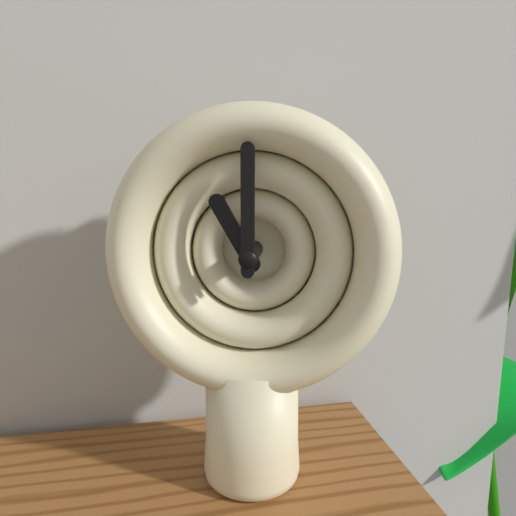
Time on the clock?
11:00
